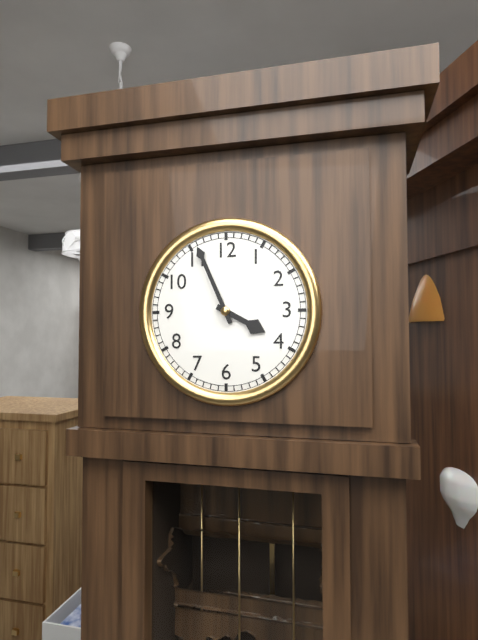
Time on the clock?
3:56
